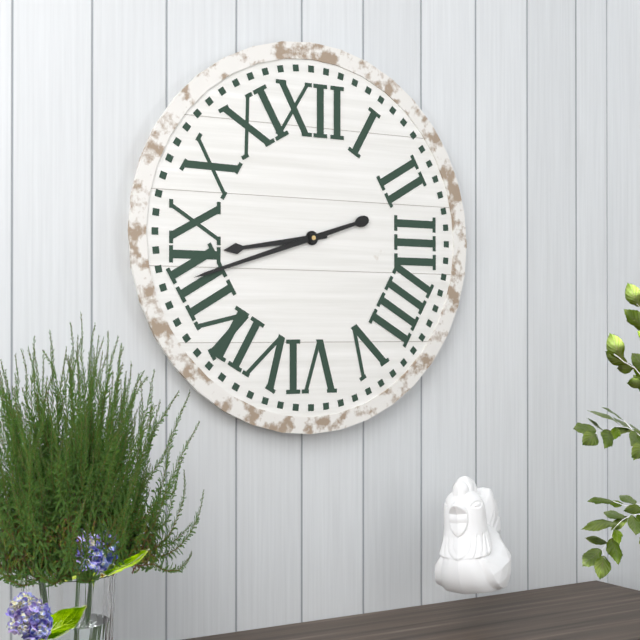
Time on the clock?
8:42
